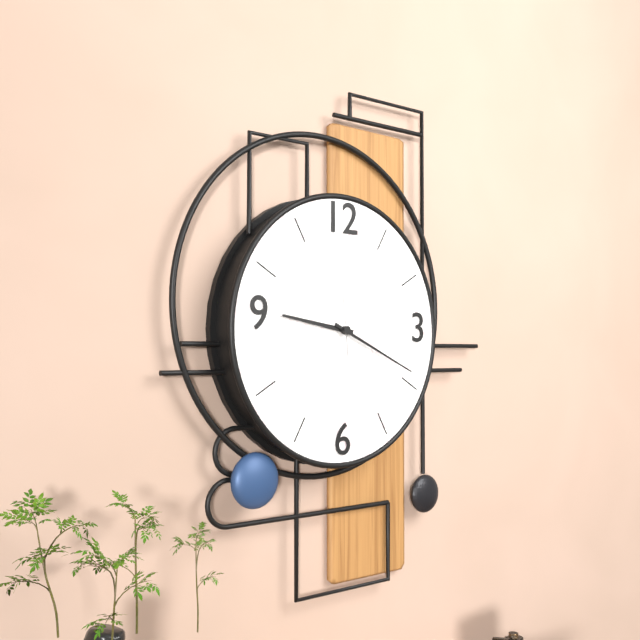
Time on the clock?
9:19:59
